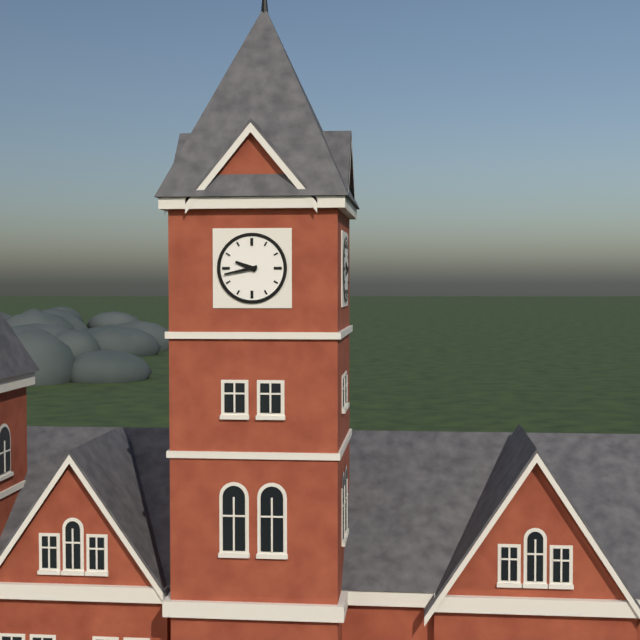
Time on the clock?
9:43
